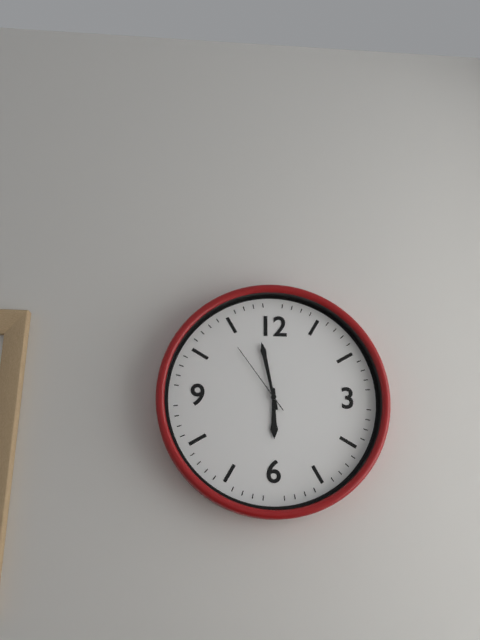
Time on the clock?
5:58:54
